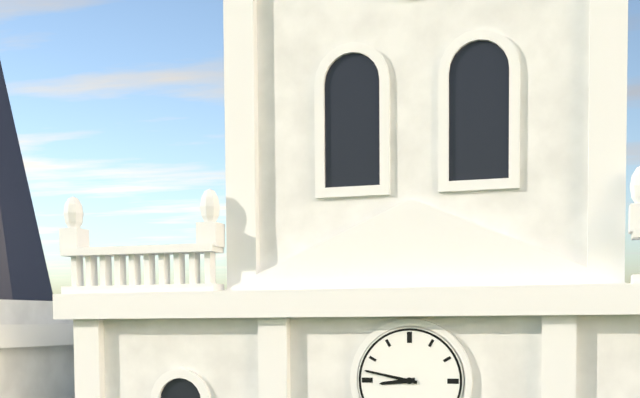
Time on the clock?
8:47
